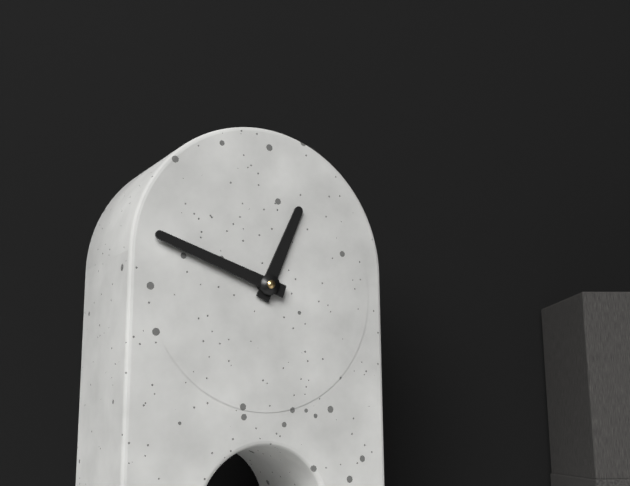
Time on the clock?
12:48
